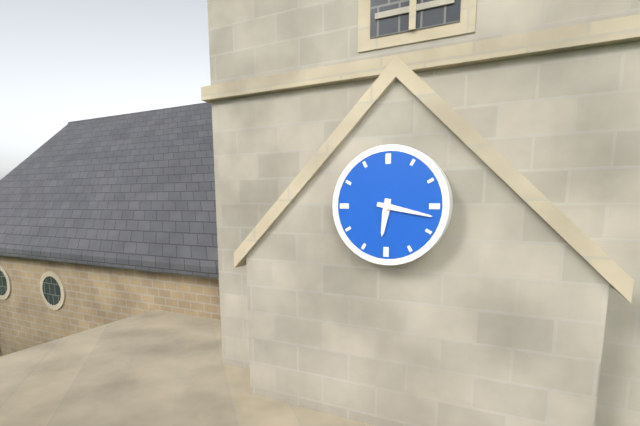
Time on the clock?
6:17
